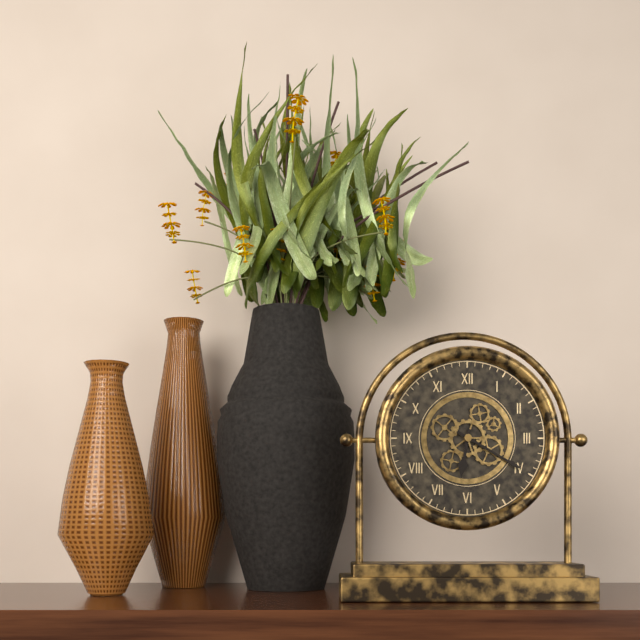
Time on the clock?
6:20
